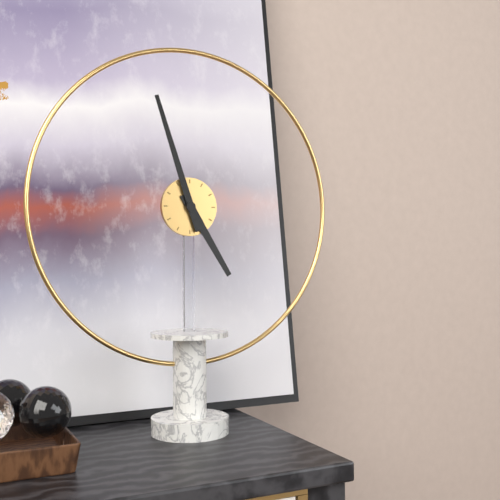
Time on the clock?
4:57
